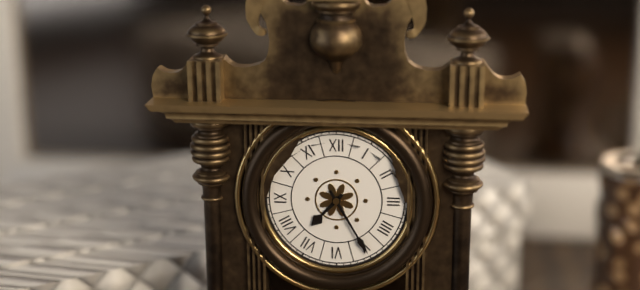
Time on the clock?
7:25
